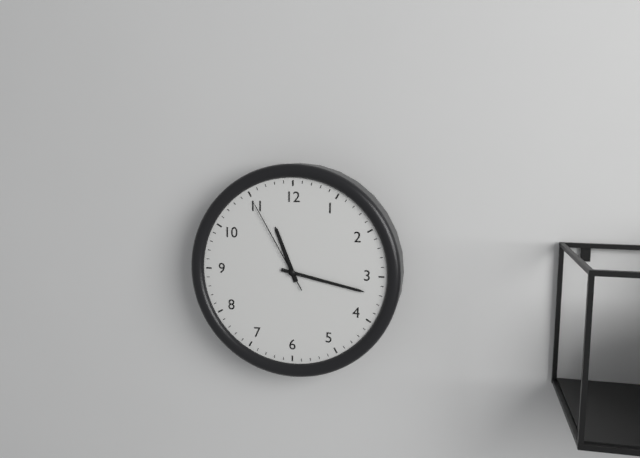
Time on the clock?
11:17:55
